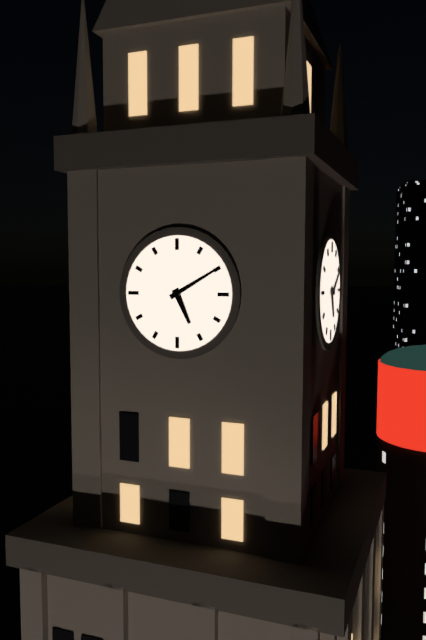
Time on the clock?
5:10
